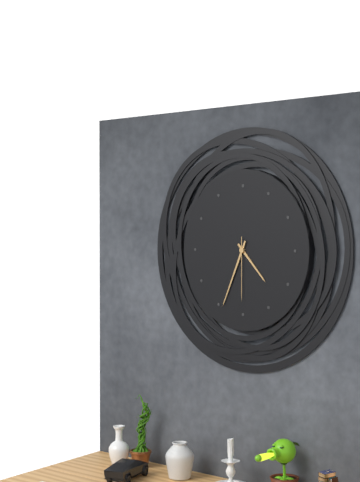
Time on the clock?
4:34:30
